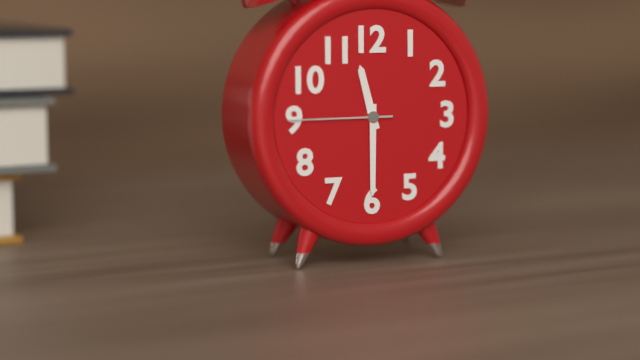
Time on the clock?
11:30:45
